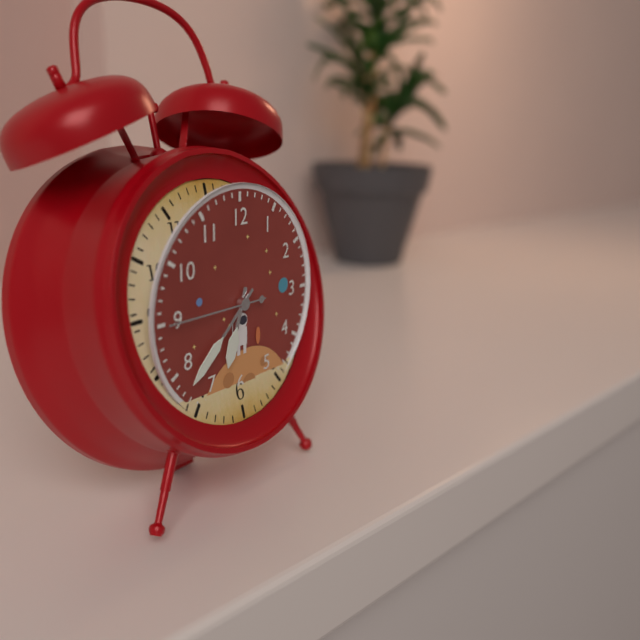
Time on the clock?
6:38:45
